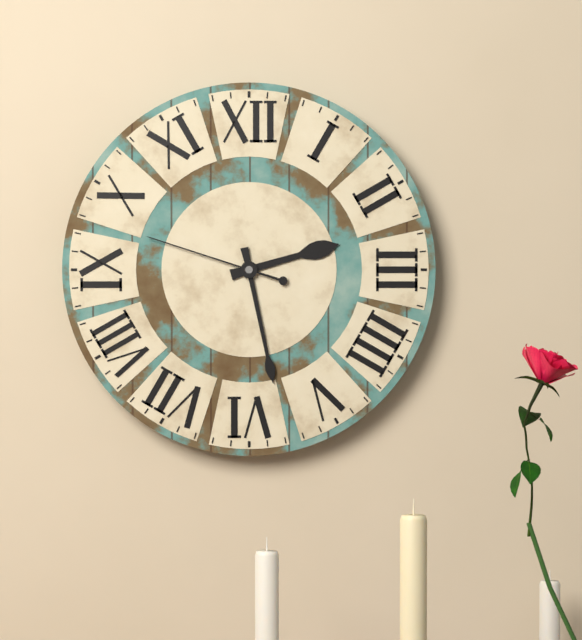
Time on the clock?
2:28:48
